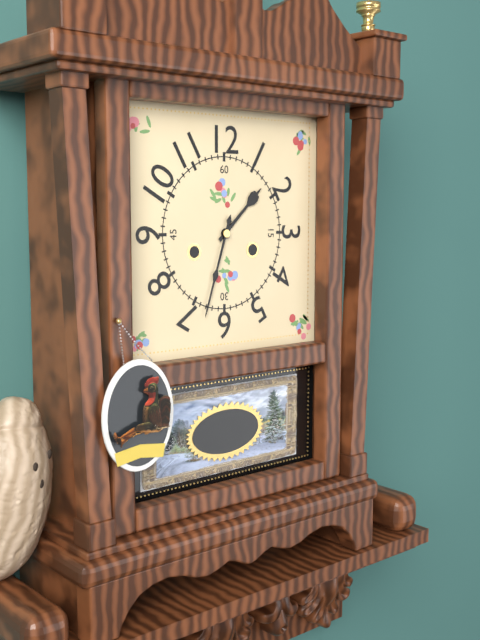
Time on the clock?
1:33
